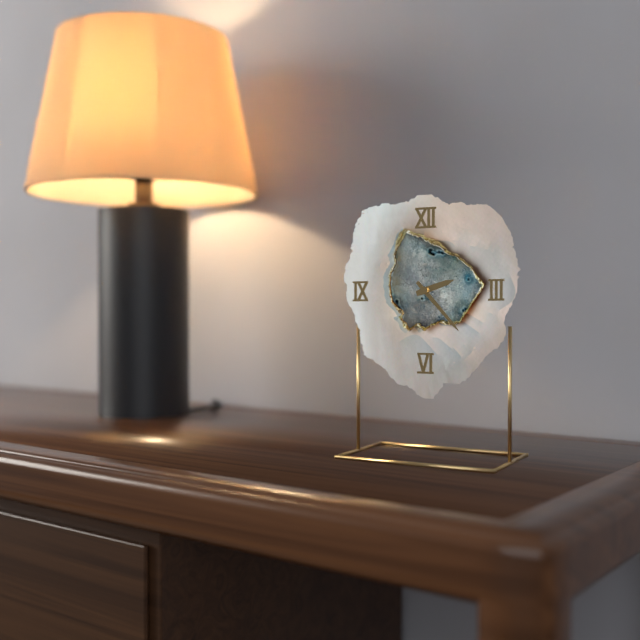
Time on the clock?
2:23
